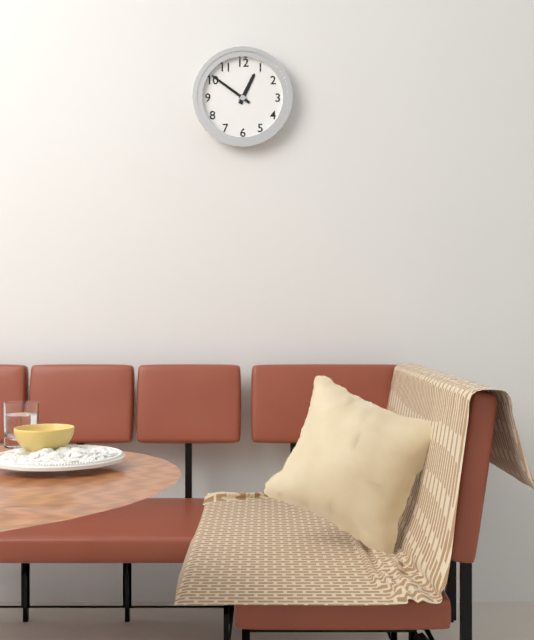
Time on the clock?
12:51
